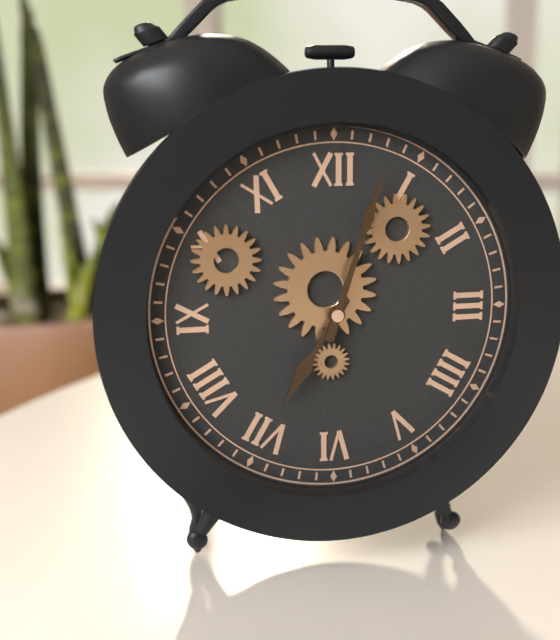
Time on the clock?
7:03
